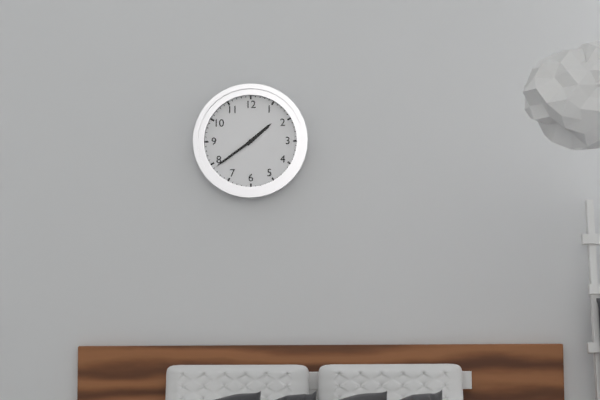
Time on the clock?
1:39
